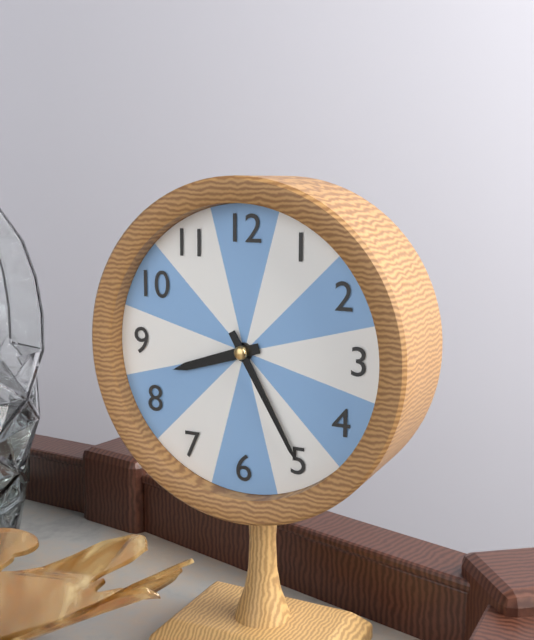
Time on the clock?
8:25
